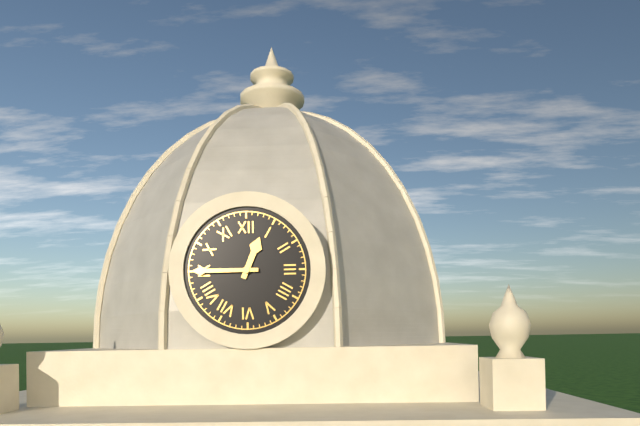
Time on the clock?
12:45
